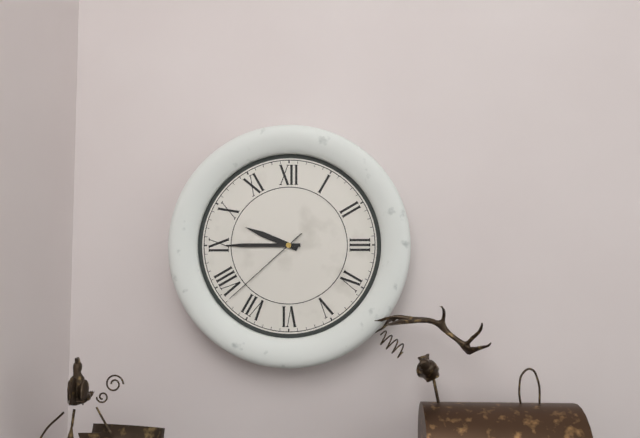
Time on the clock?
9:45:38
